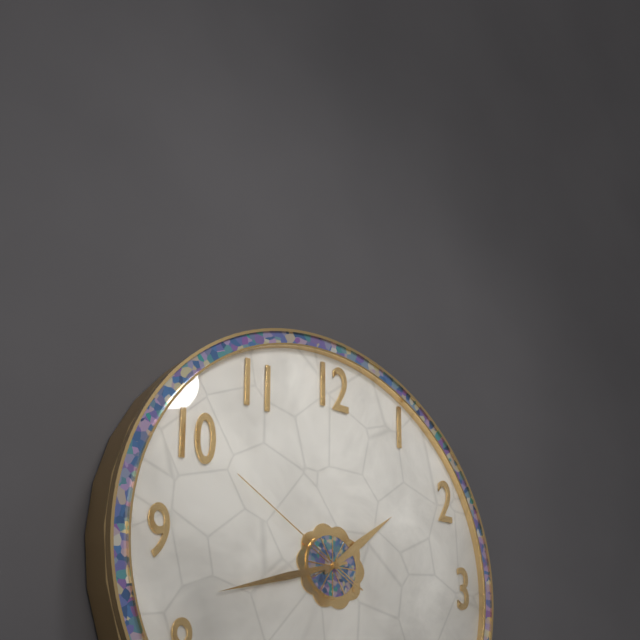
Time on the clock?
1:42:50
